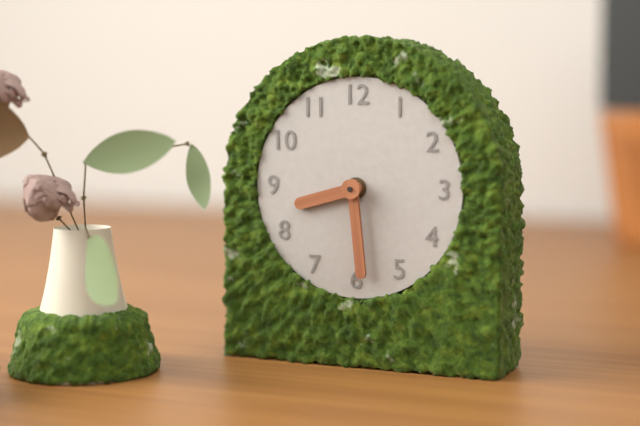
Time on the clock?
8:29
